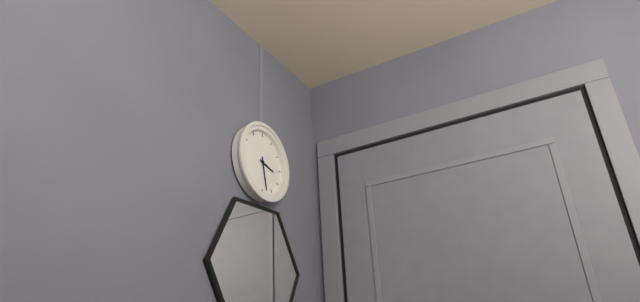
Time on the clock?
3:28
